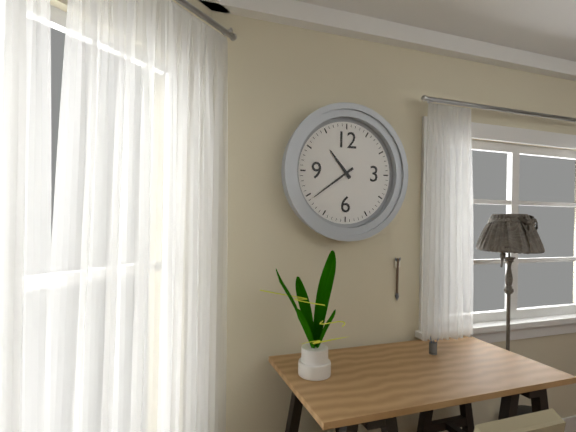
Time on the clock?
10:39
